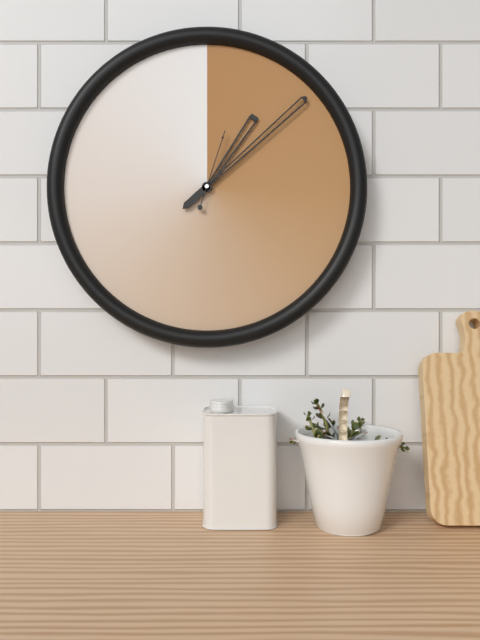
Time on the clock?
1:08:03
